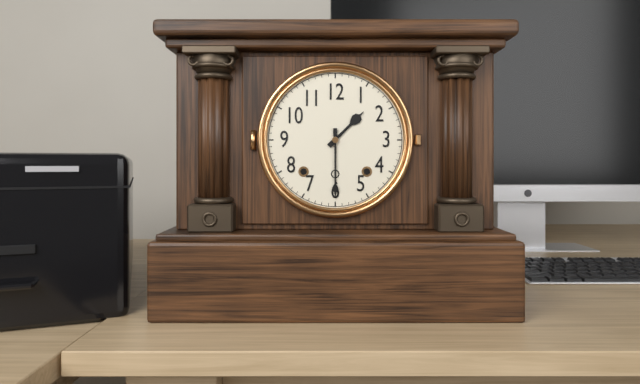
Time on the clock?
1:30
